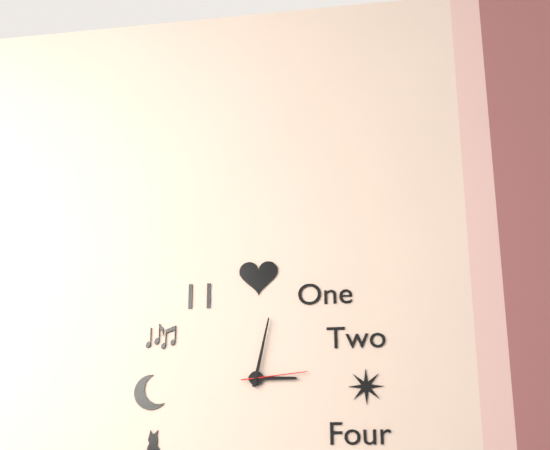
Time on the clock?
3:02:14
